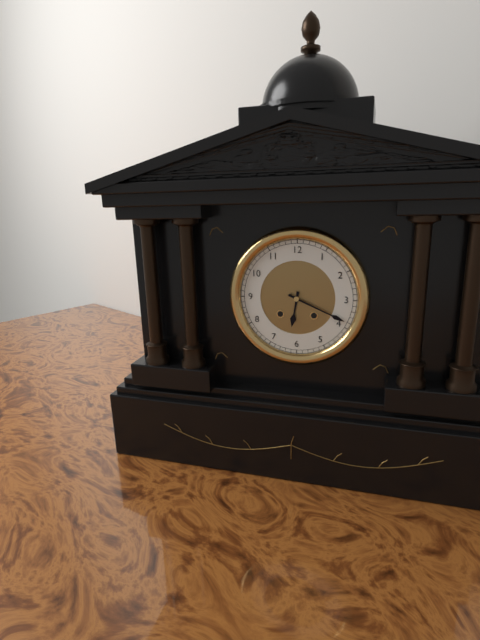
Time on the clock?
6:19
